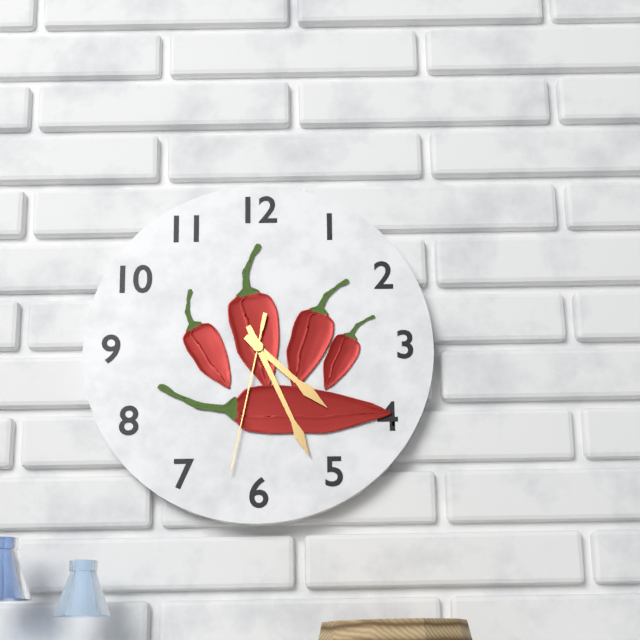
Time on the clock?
4:26:32
